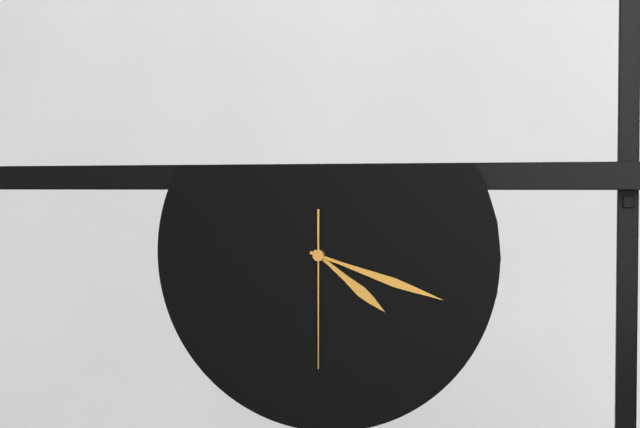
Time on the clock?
4:18:30
